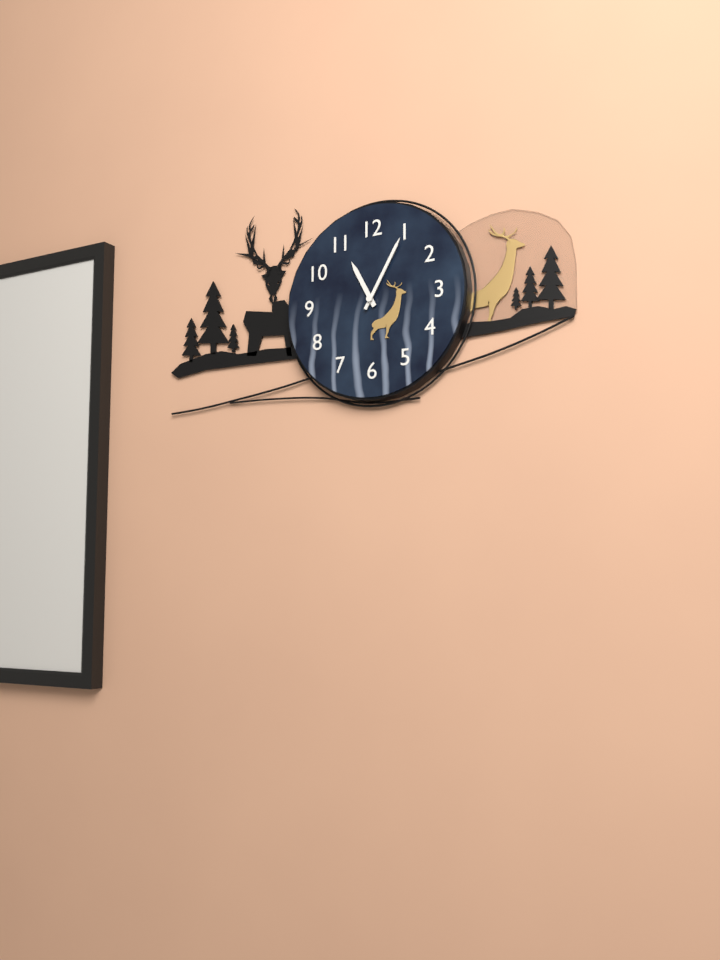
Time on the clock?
11:05
